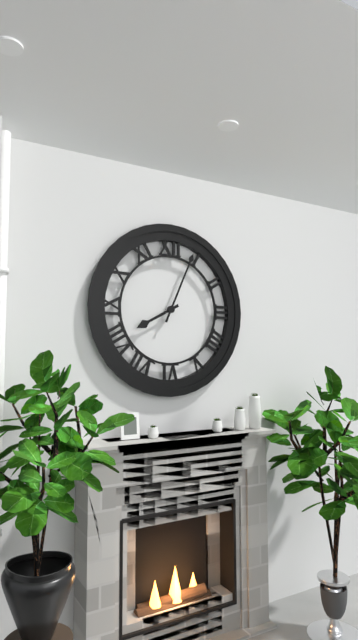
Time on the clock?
8:04
